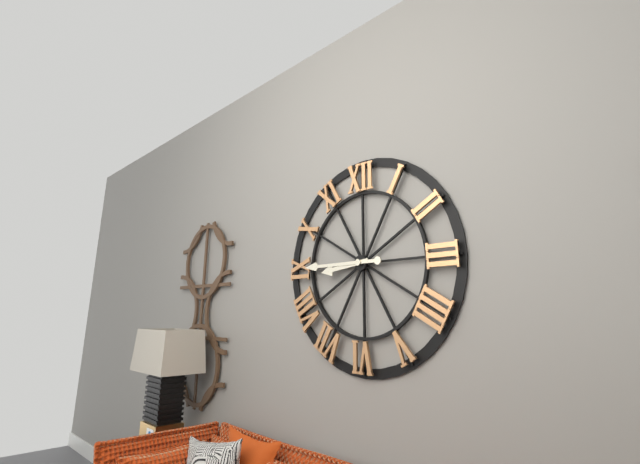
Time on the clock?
8:45
